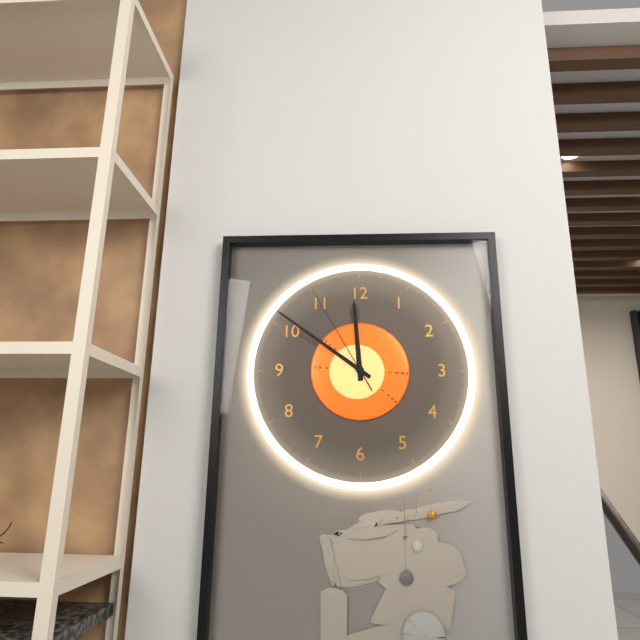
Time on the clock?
11:51:55
